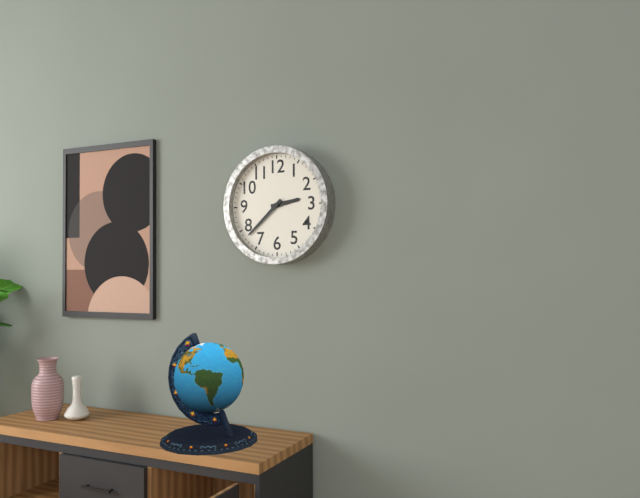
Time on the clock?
2:38
